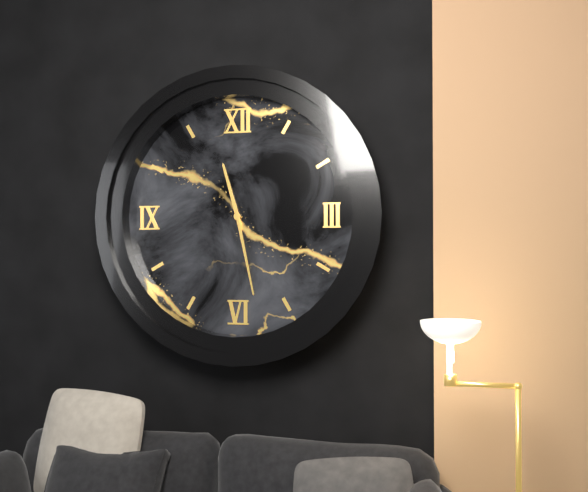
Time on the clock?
11:28
